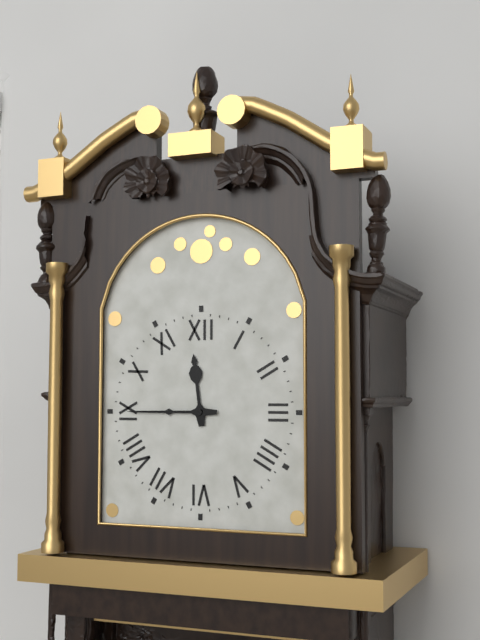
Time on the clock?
11:45
